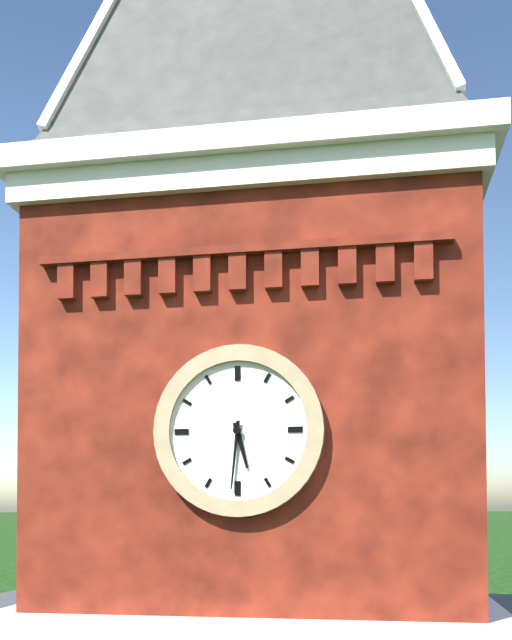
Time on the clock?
5:31
